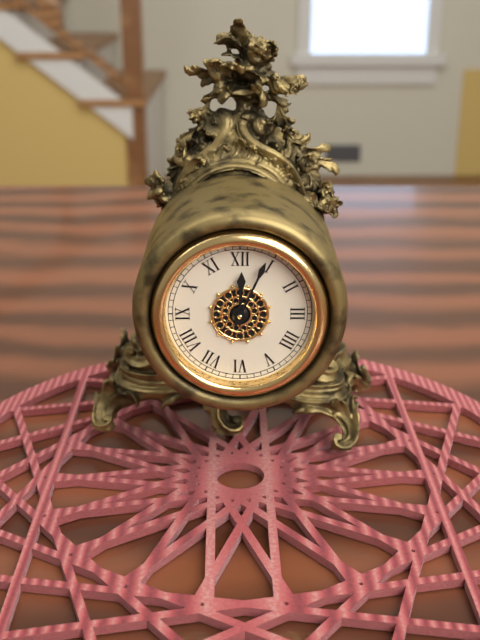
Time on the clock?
12:04
